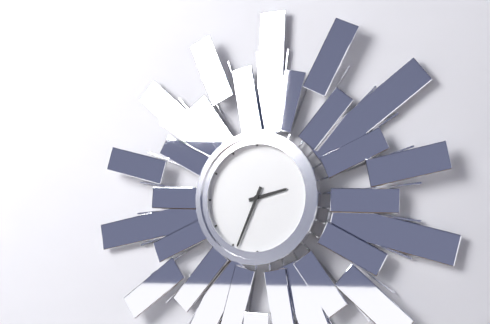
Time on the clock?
2:34
